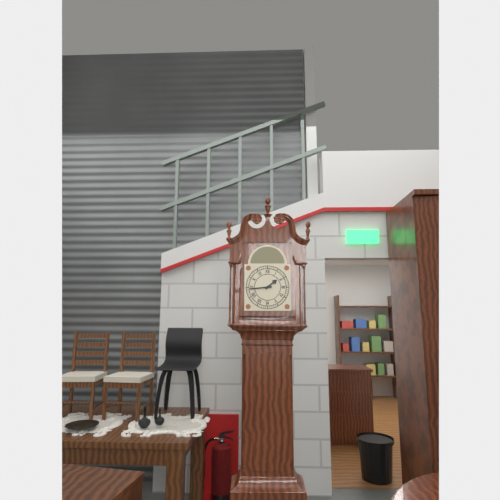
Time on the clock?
1:44
